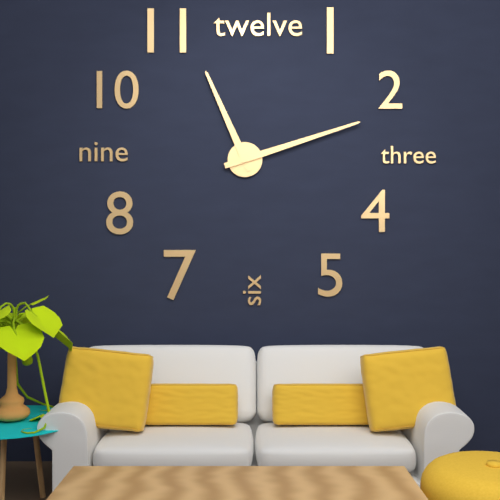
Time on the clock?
11:12
